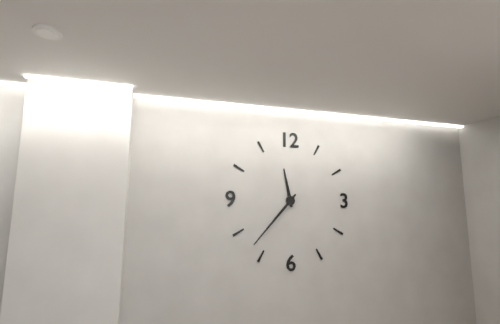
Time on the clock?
11:37
